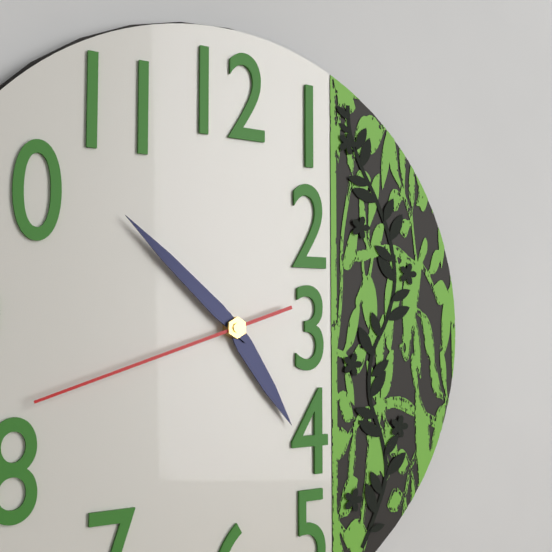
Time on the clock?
4:52:42
